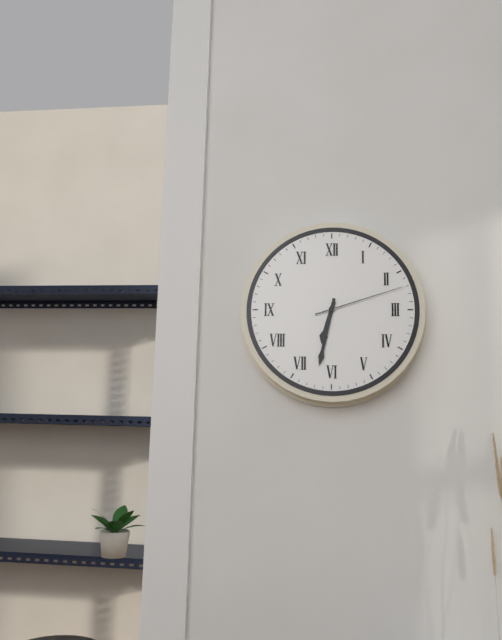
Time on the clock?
6:32:12
